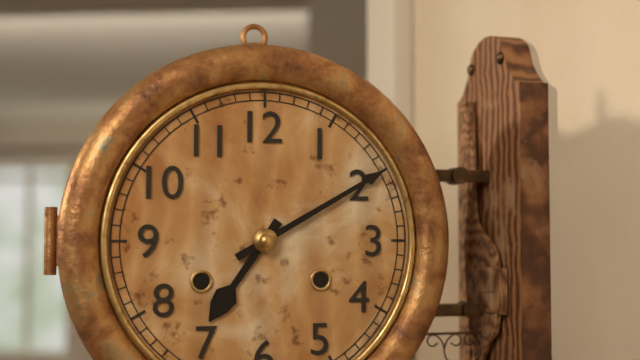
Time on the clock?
7:10
